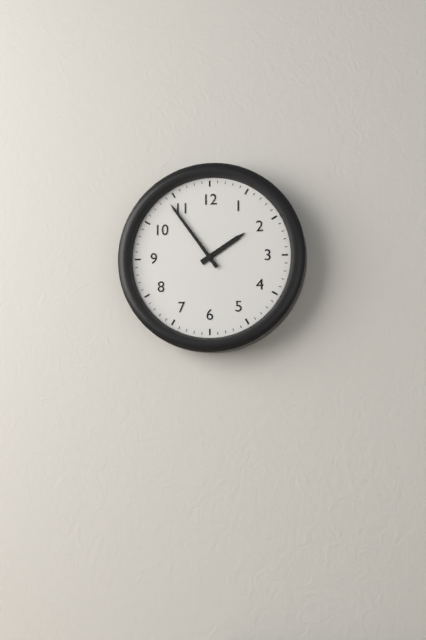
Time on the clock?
1:54
